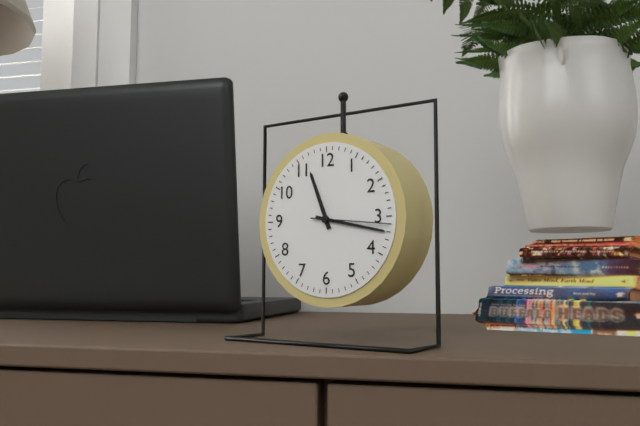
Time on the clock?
11:17:16
